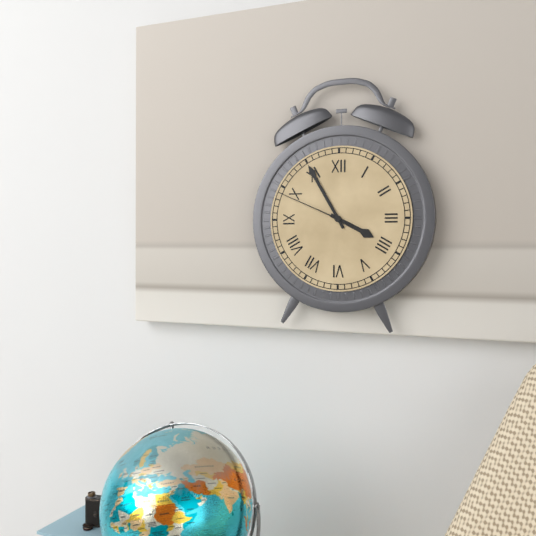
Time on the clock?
3:55:49
